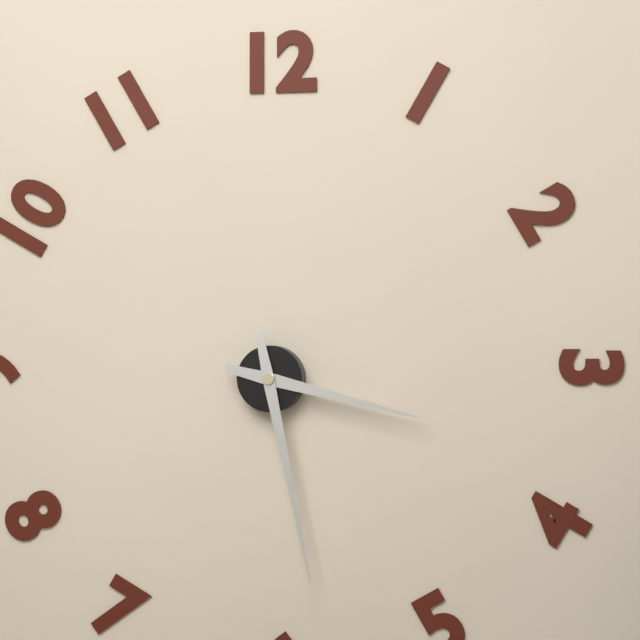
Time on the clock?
3:28
